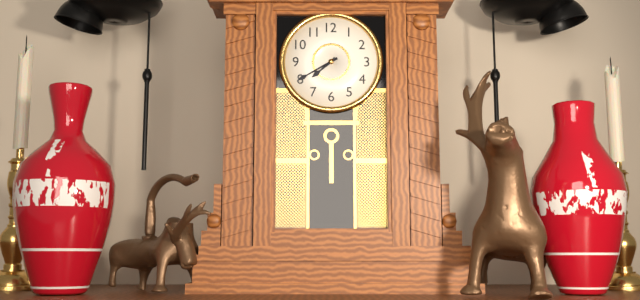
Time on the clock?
7:40
